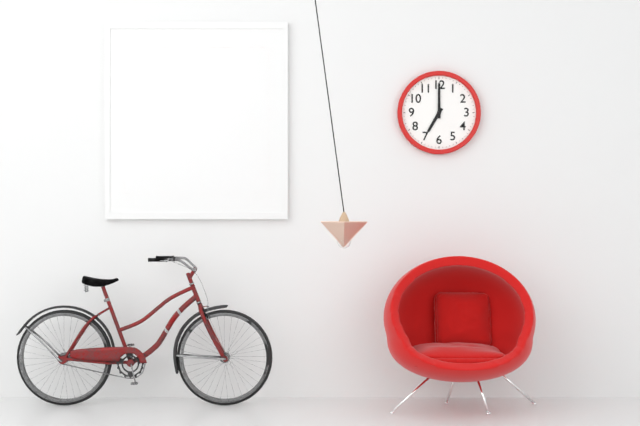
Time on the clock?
7:00
